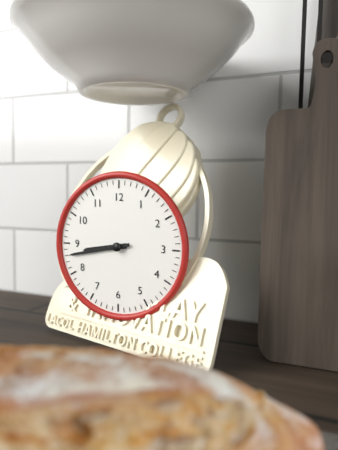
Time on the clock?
8:43
